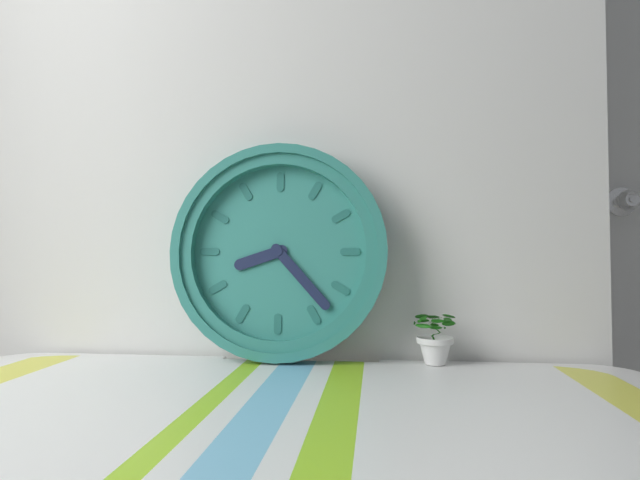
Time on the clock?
8:23
